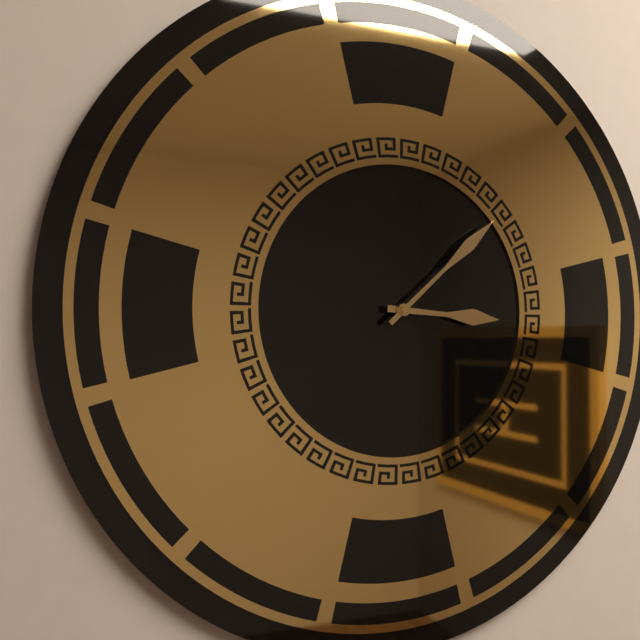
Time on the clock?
3:08
